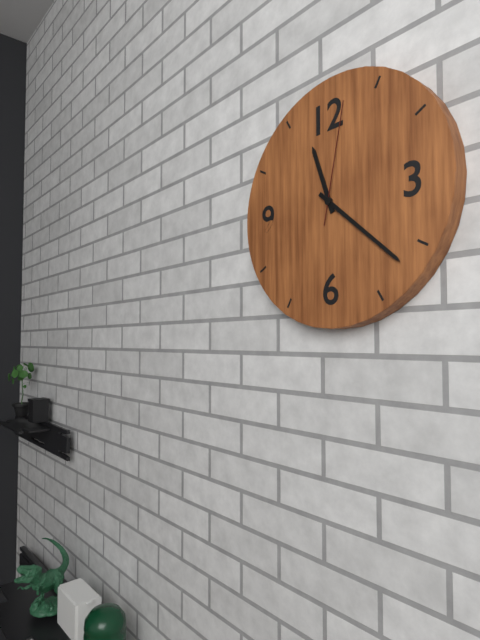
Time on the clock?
11:22:02
